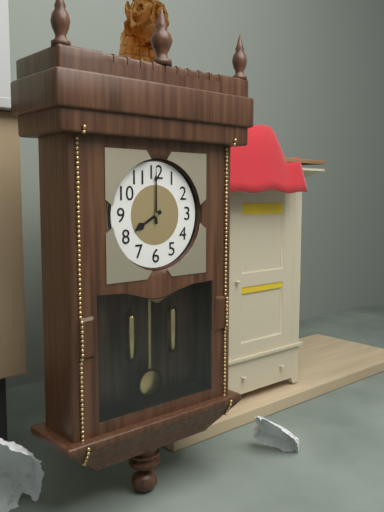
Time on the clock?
8:00
